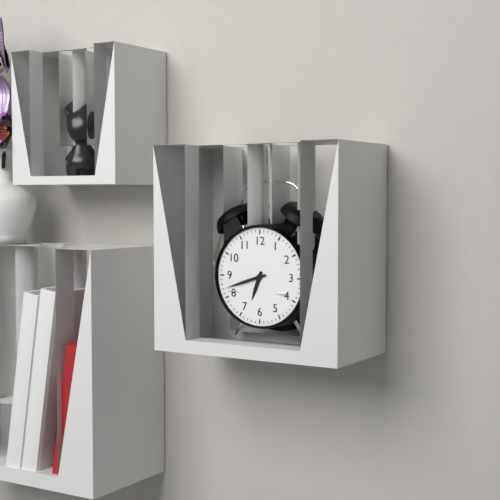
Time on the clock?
6:42
